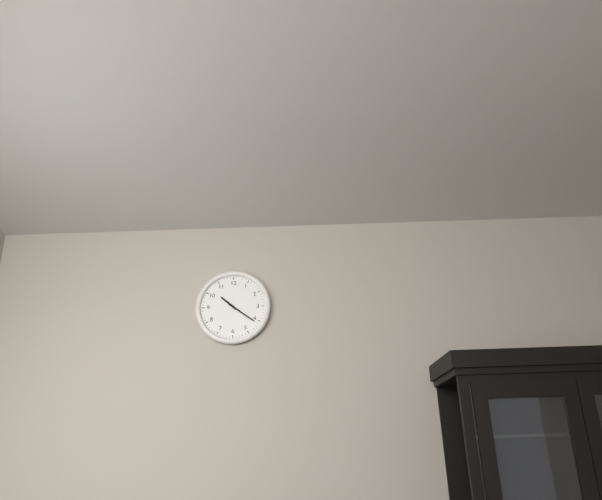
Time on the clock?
10:21
